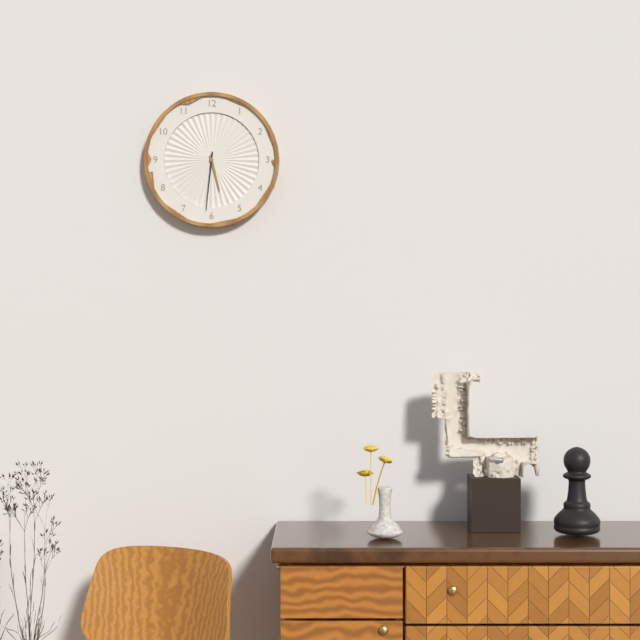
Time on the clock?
5:31
